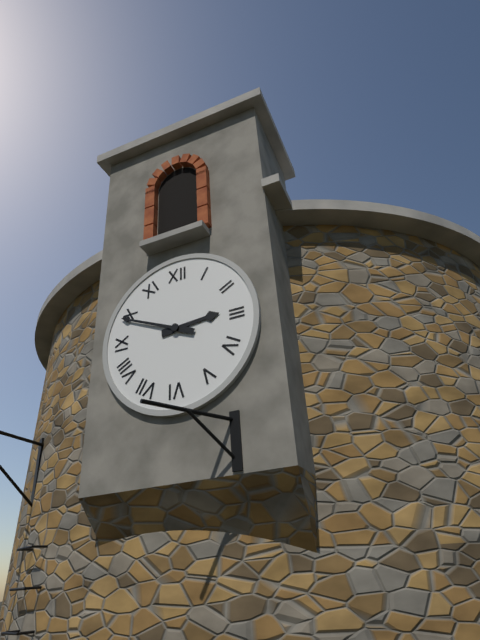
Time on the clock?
2:49
